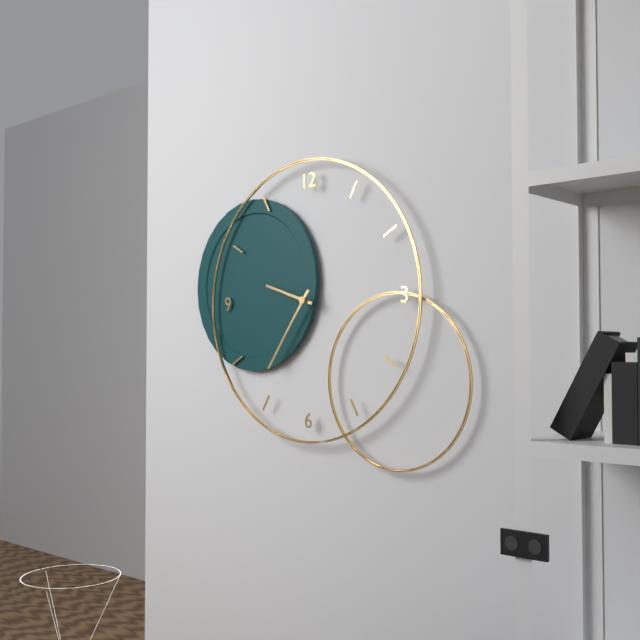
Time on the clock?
9:36
